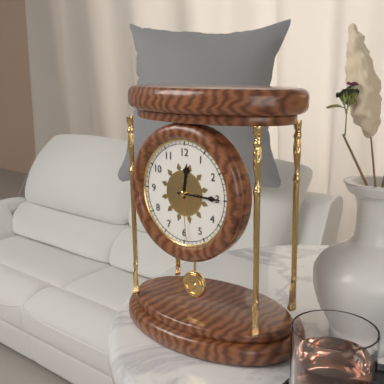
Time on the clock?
12:15:29
